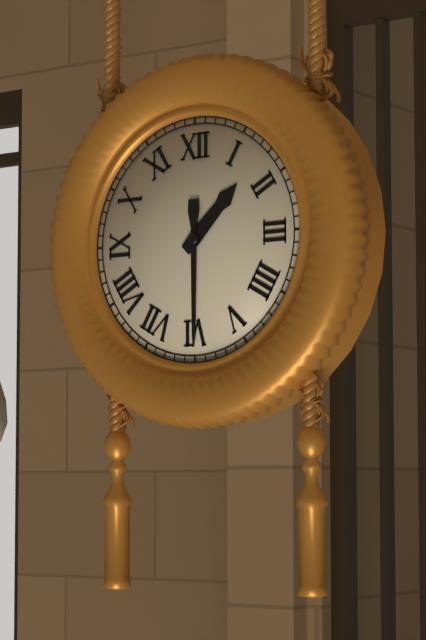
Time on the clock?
1:30
